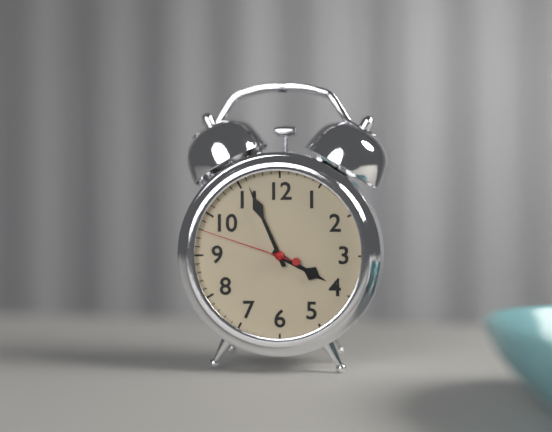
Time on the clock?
3:56:48
